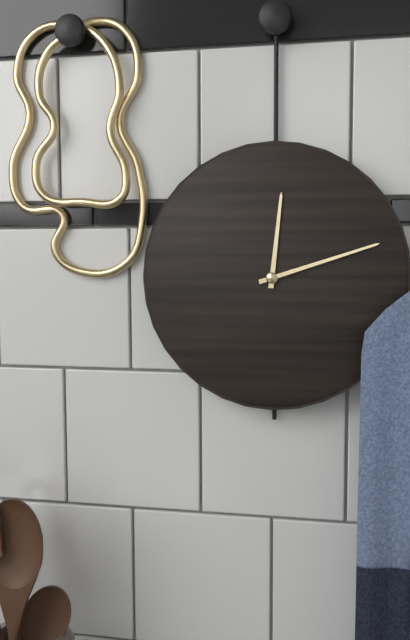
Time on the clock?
12:12
